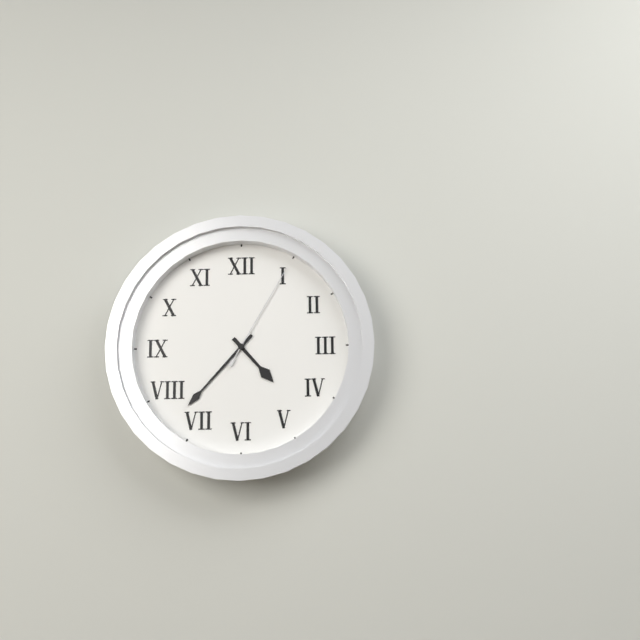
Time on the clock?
4:37:05
